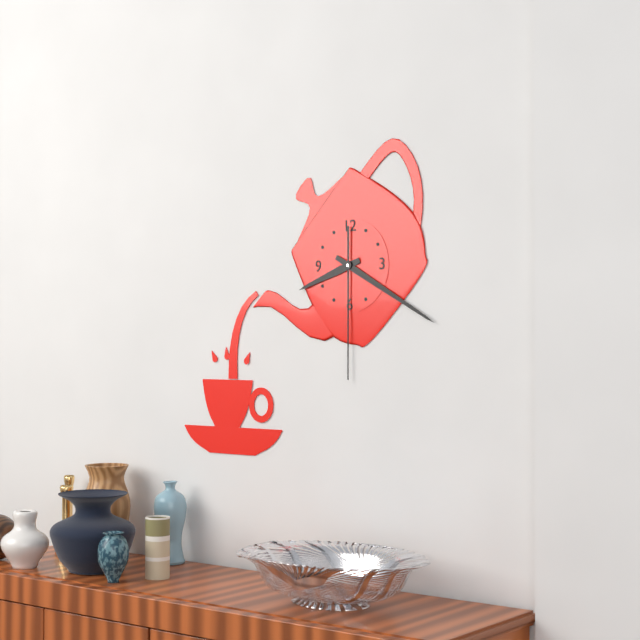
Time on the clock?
8:20:30
